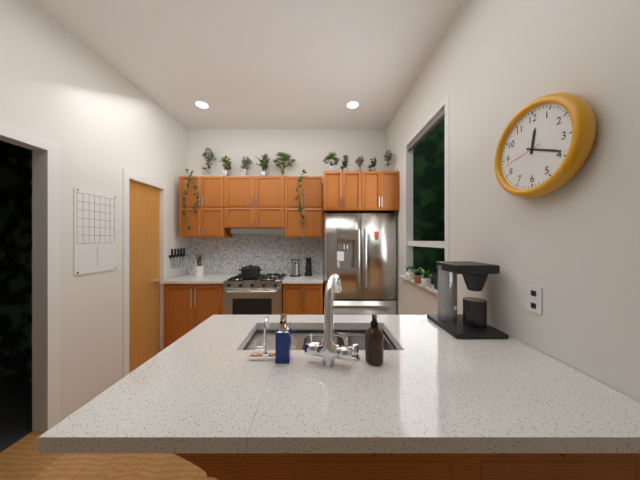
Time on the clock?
12:19
